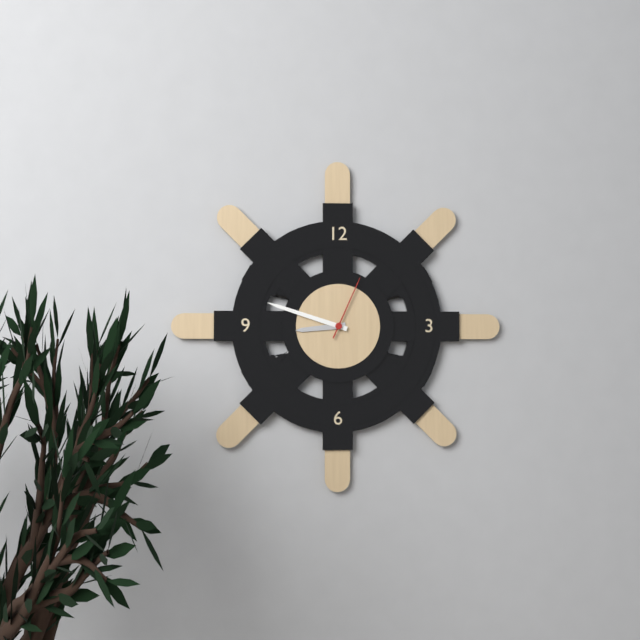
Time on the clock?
8:48:04
